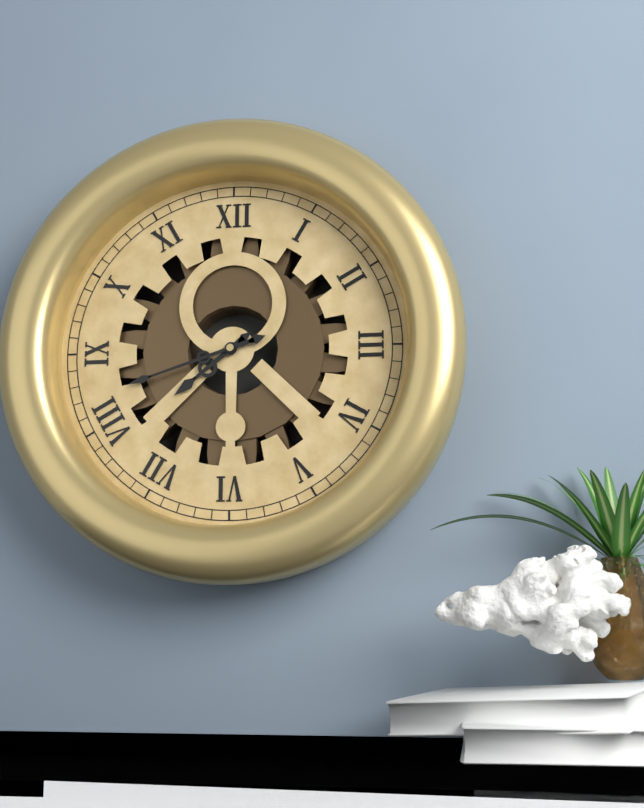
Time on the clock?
7:42
